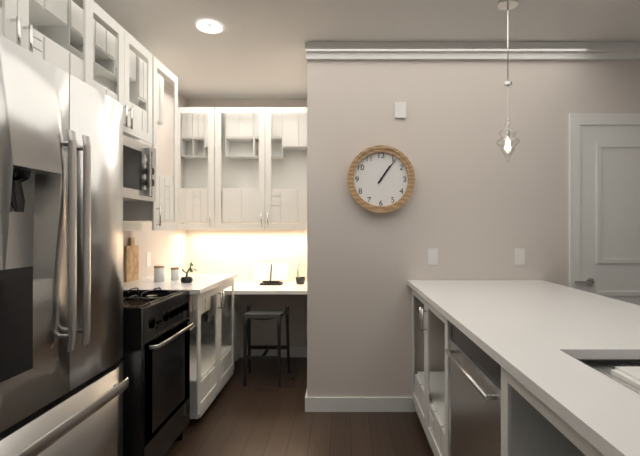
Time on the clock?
1:06
